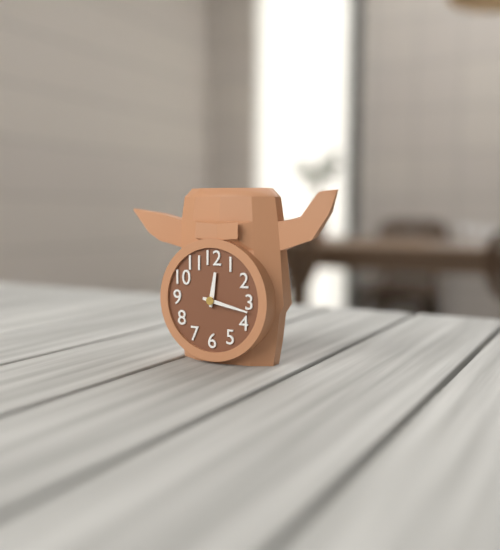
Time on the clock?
12:17
